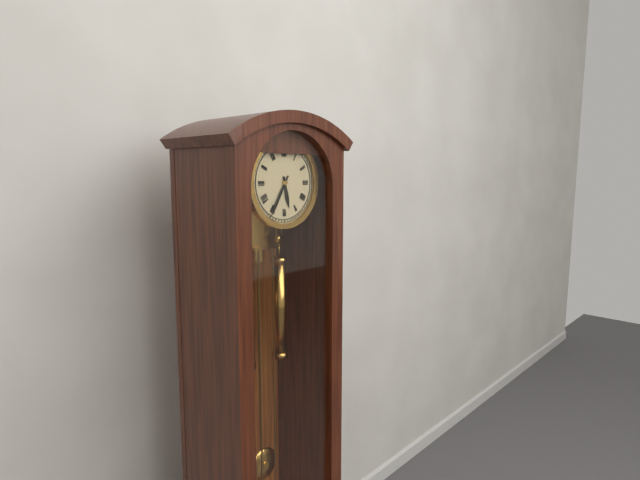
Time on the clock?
5:35
